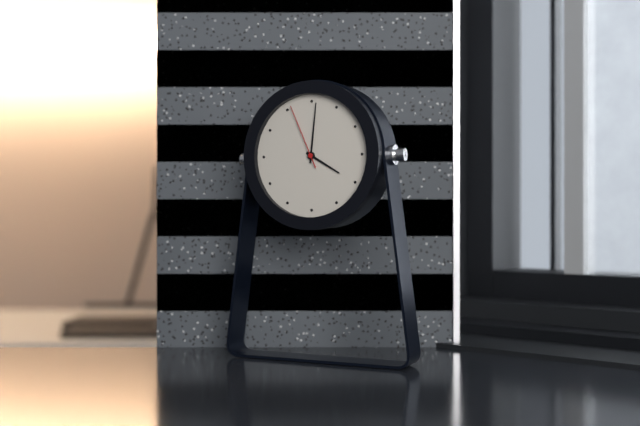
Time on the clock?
4:01:56
